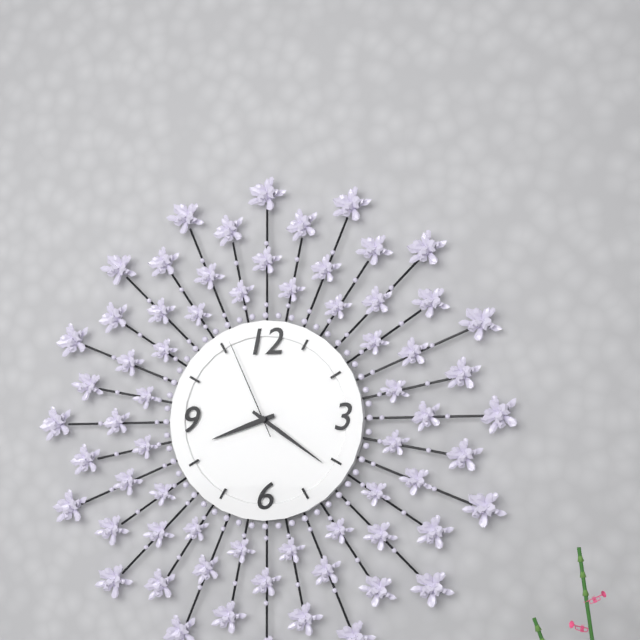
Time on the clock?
8:21:56
